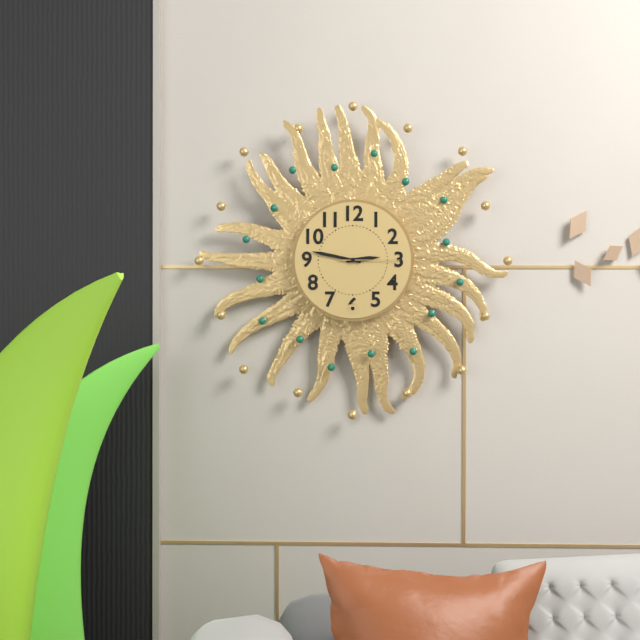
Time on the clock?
2:47:15
